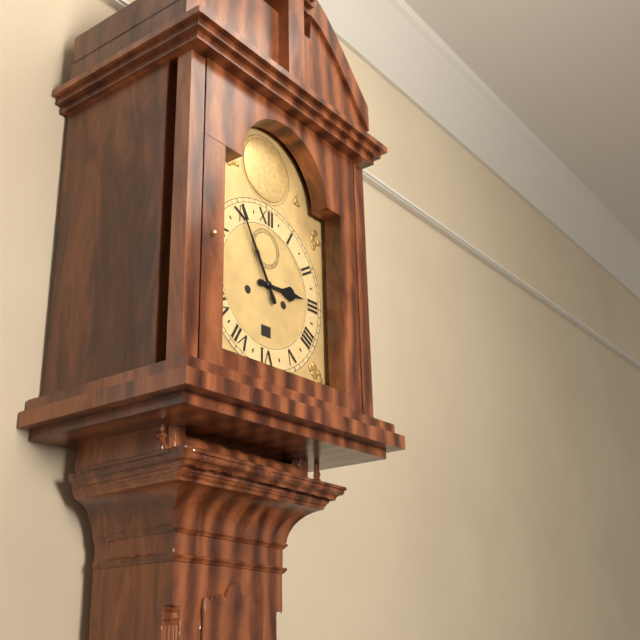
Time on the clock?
2:55
